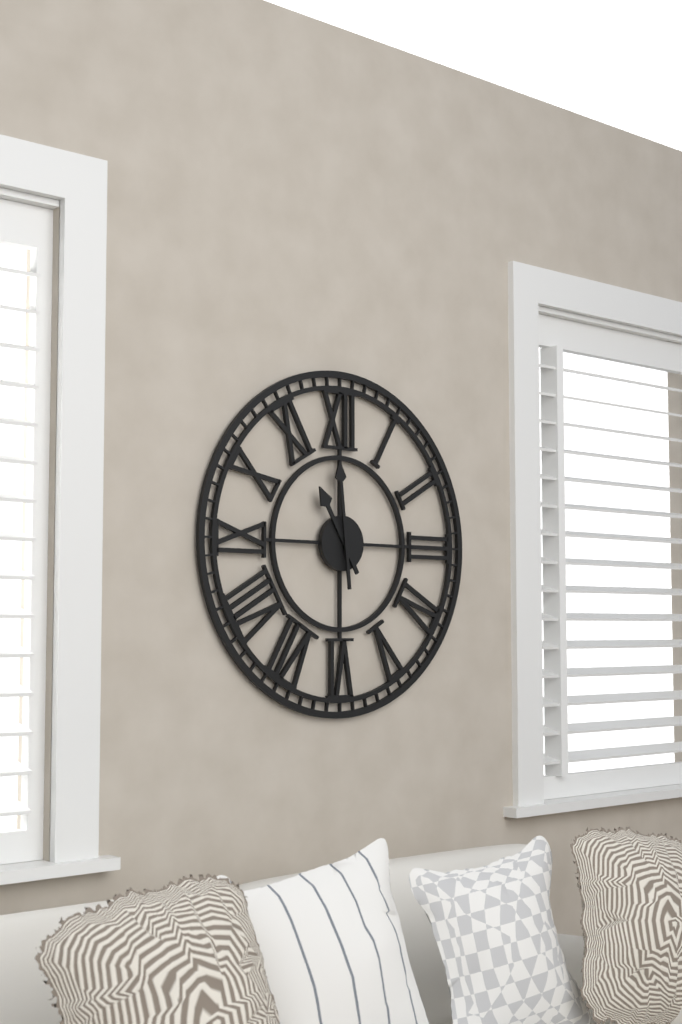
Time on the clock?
10:59
